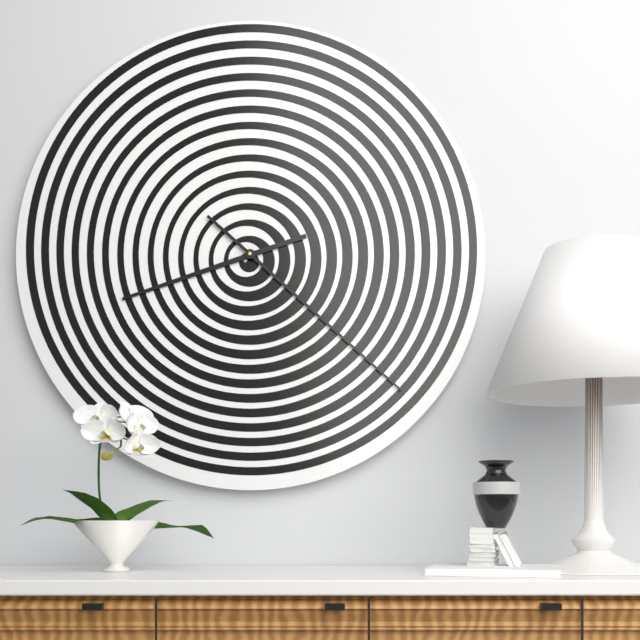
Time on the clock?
8:22
